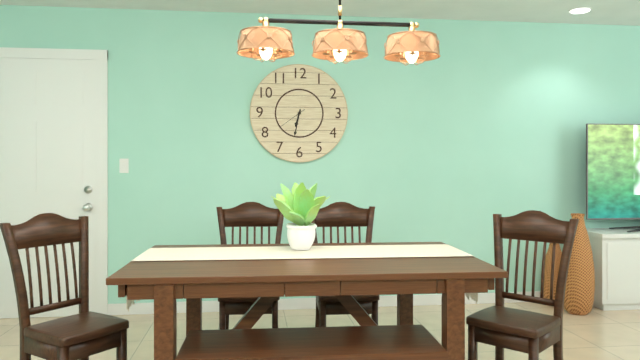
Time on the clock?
6:32
